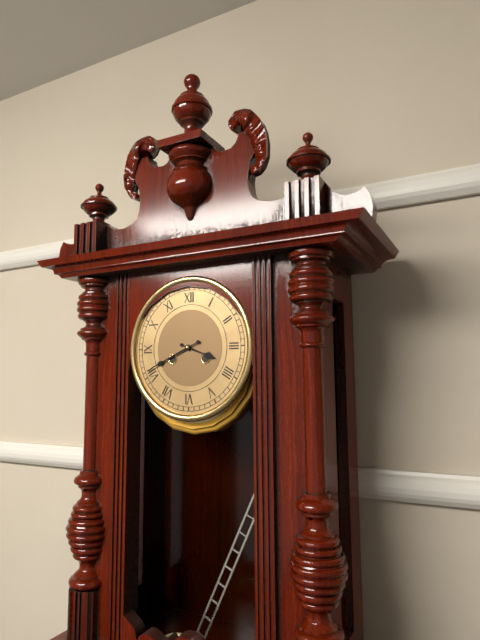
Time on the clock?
3:41
